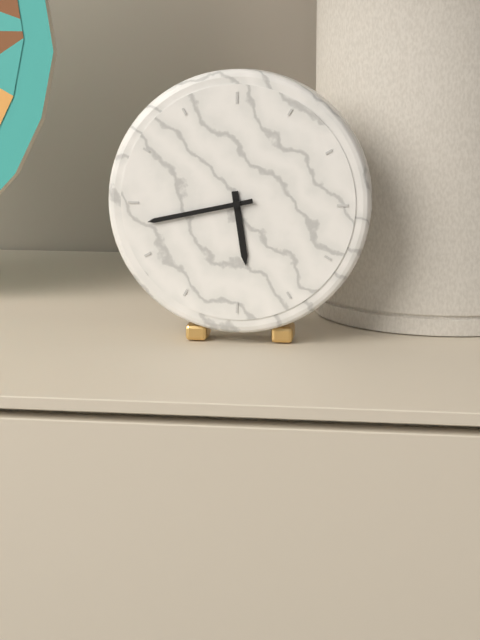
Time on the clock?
5:43
